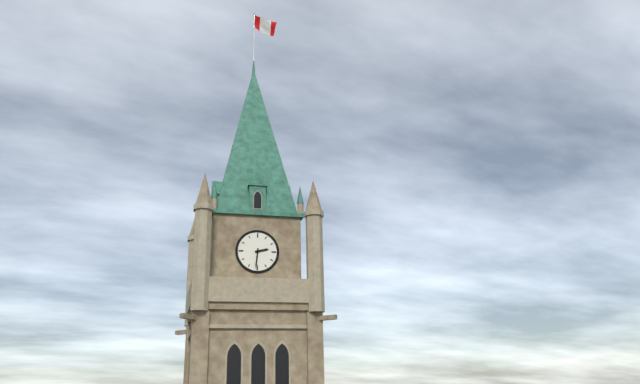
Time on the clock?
2:31
